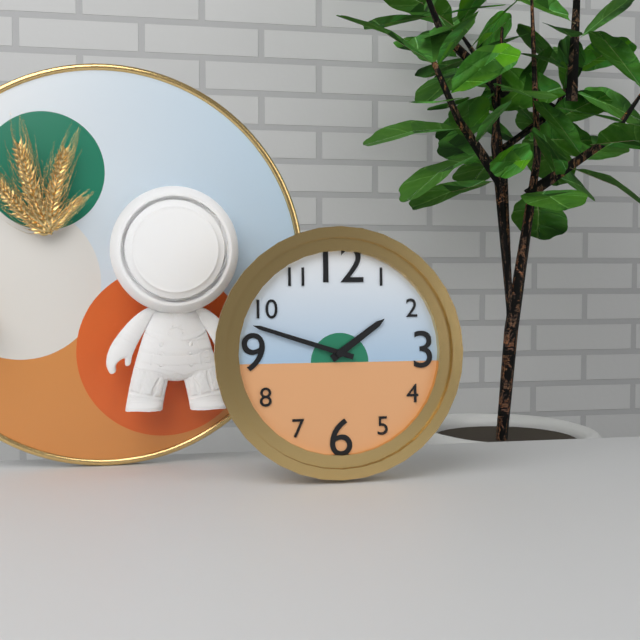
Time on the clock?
1:48
